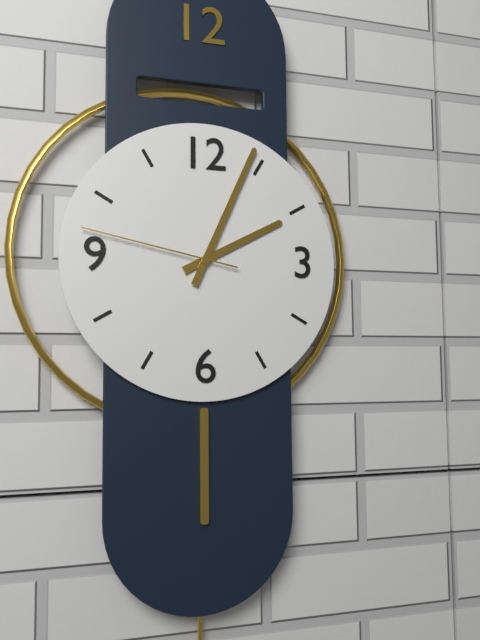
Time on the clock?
2:04:47
